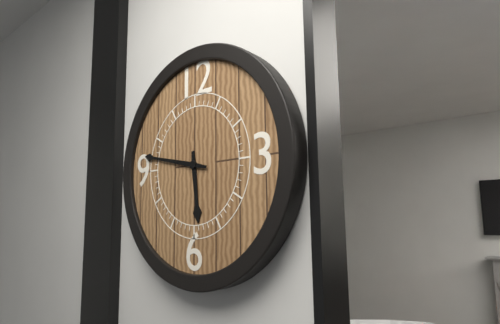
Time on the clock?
5:47
